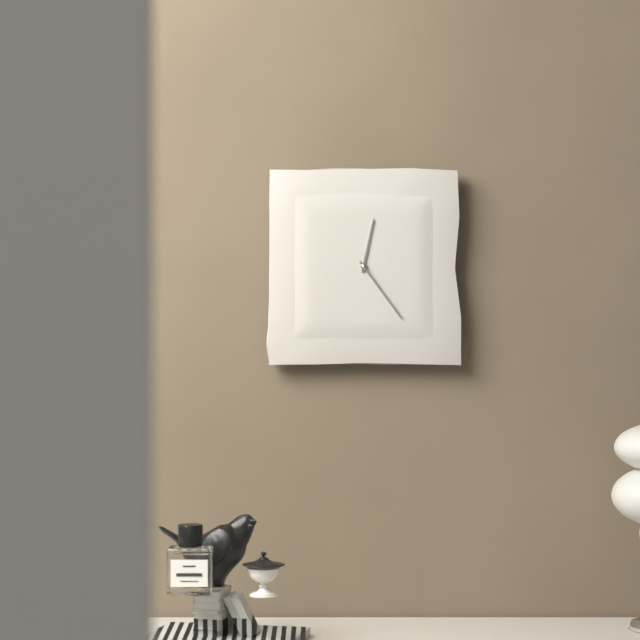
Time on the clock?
12:24
